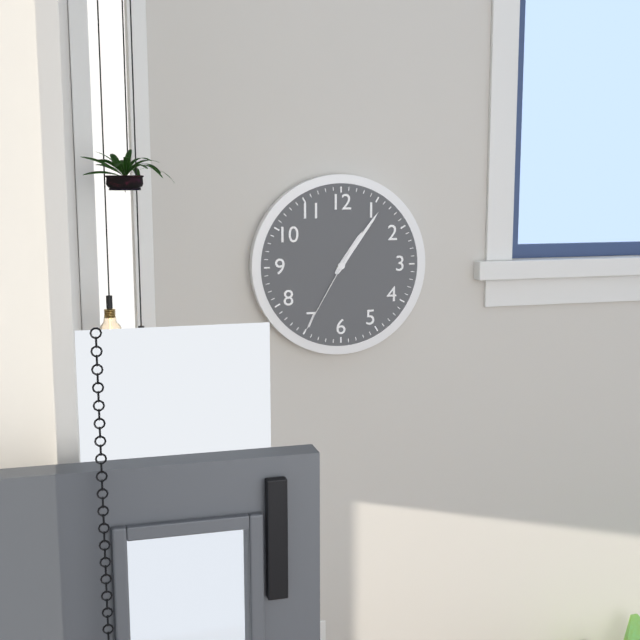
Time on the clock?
1:06:35
